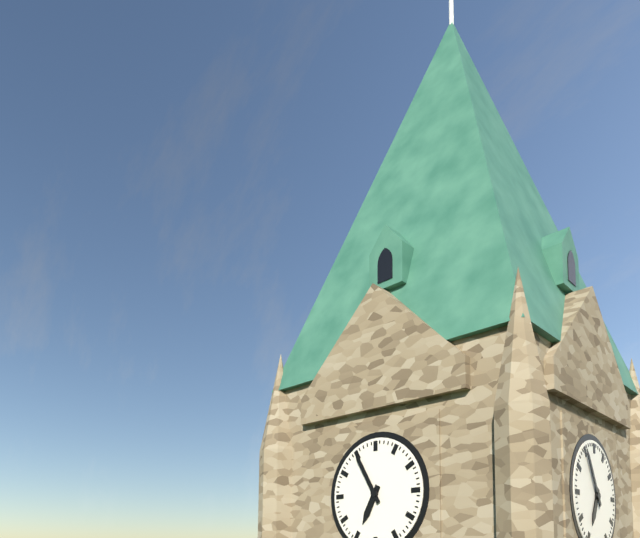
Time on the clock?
6:55
